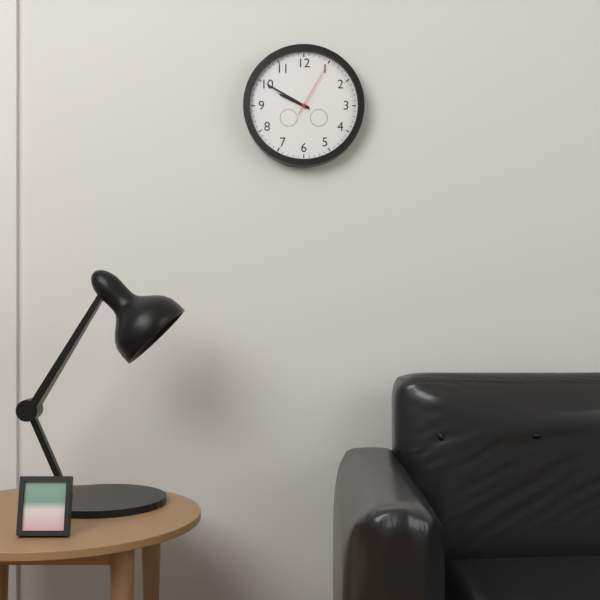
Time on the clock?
9:50:05
